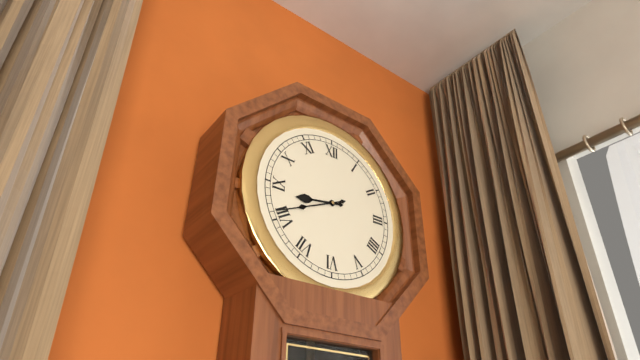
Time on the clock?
8:41
